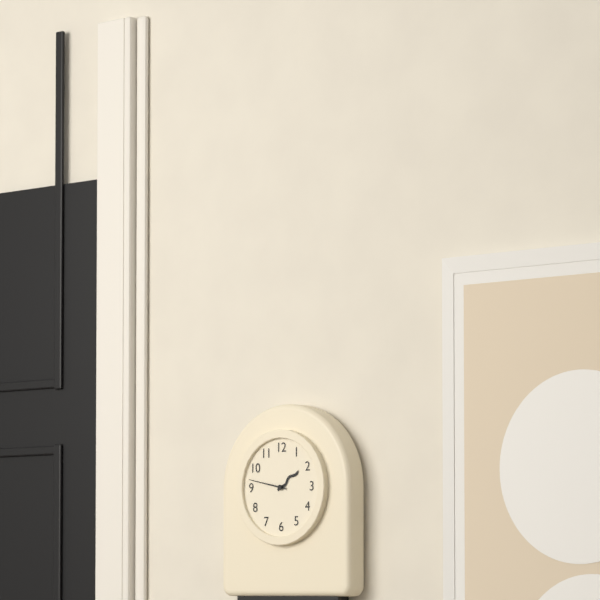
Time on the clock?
1:47
